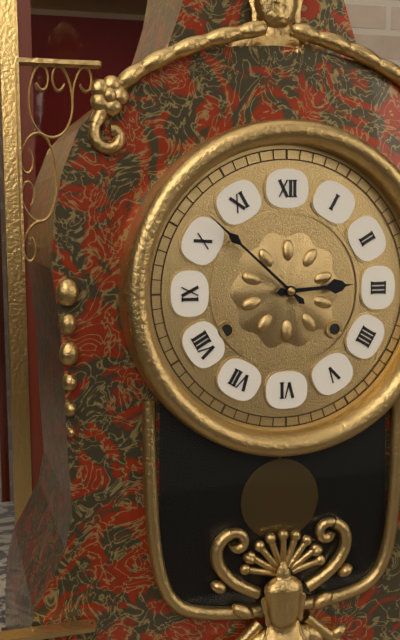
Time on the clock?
2:52
